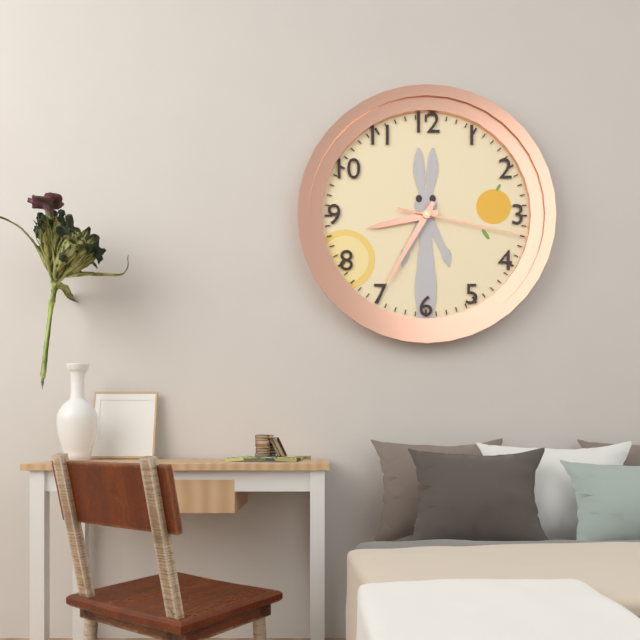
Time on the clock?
8:35:17
